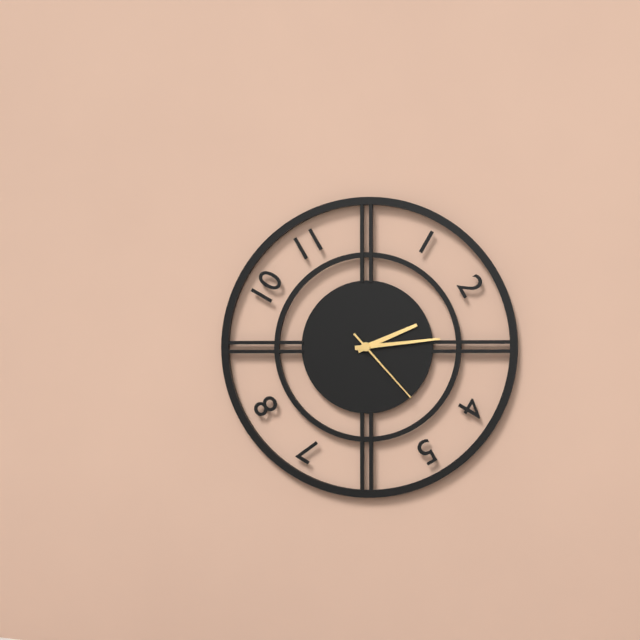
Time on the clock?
2:14:23
